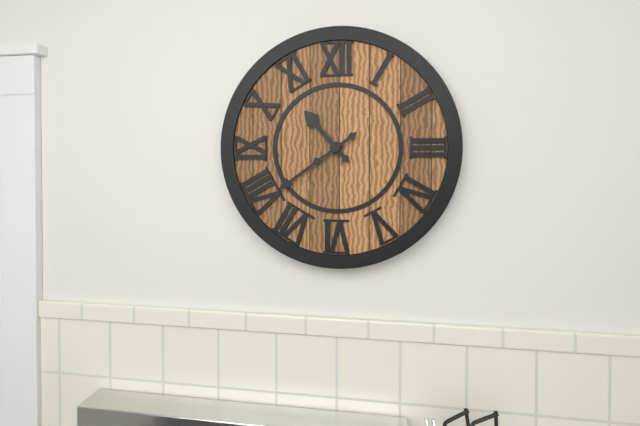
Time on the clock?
10:39
